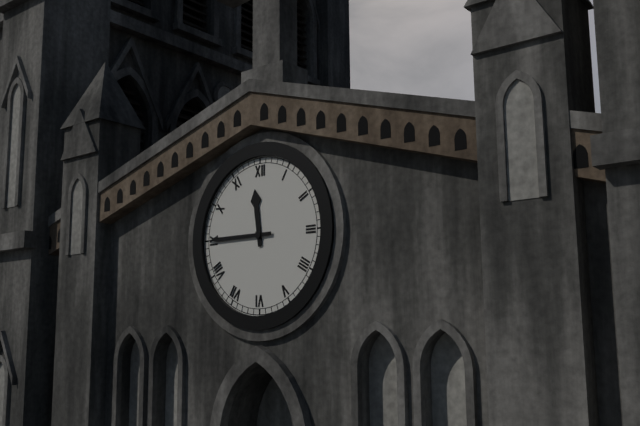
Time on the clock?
11:45
